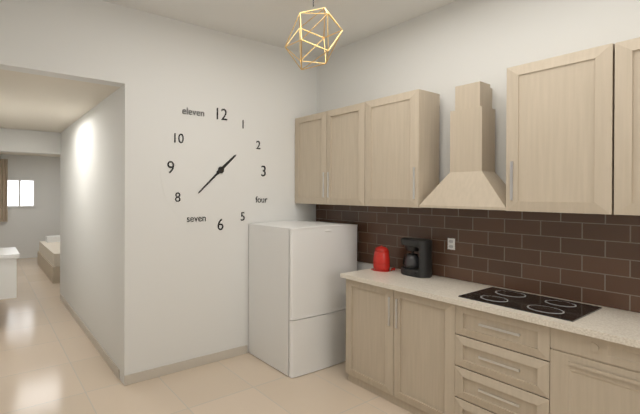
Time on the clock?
1:38
